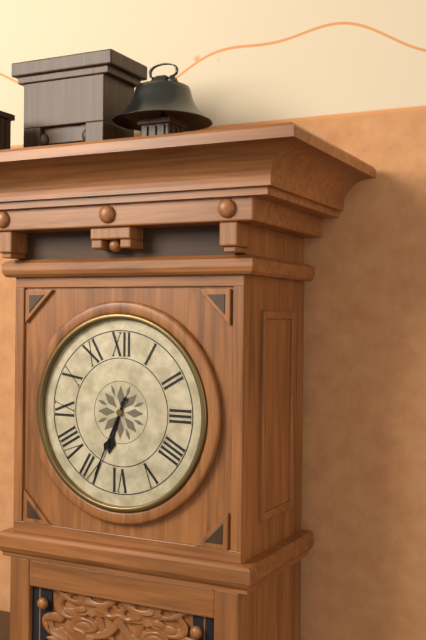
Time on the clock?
6:34
